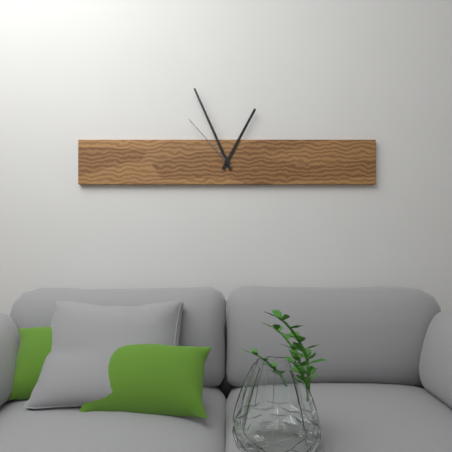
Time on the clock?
12:56:53
